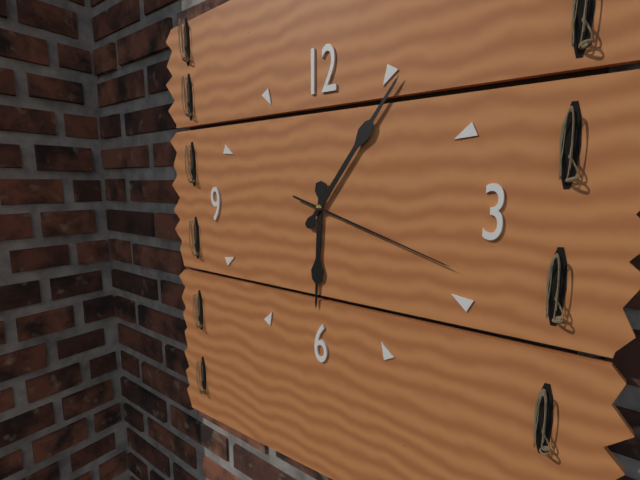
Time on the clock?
6:06:18
